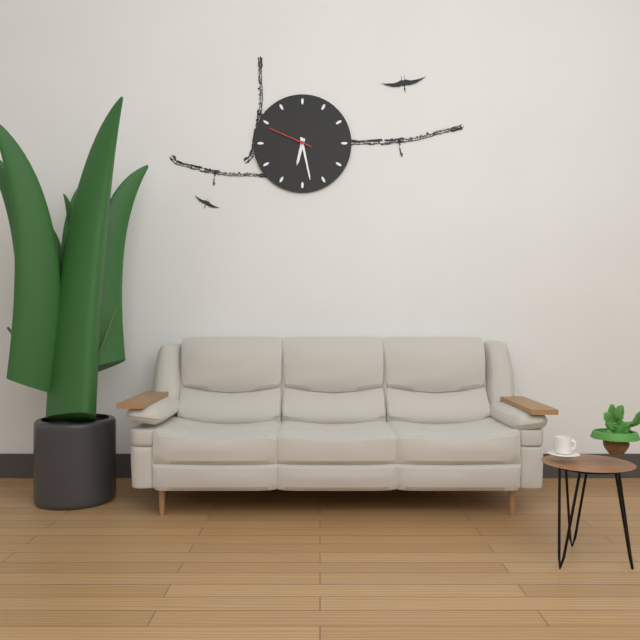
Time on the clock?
6:28
